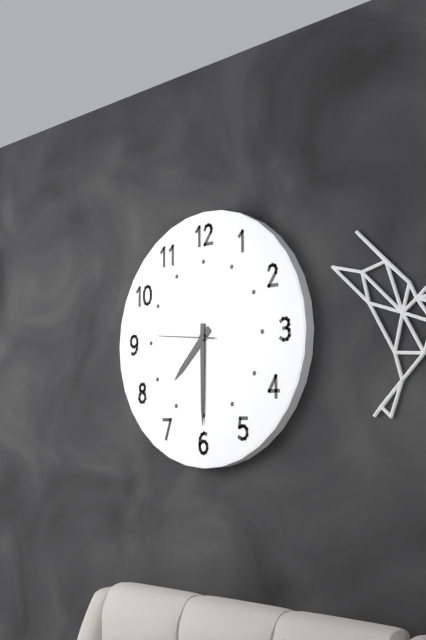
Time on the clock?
7:30:46
